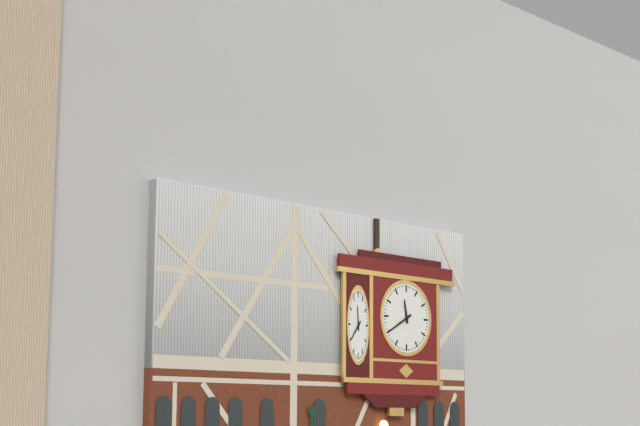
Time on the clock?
11:40
